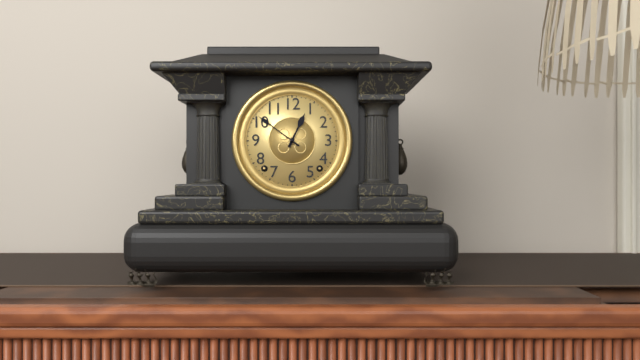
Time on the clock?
12:51
